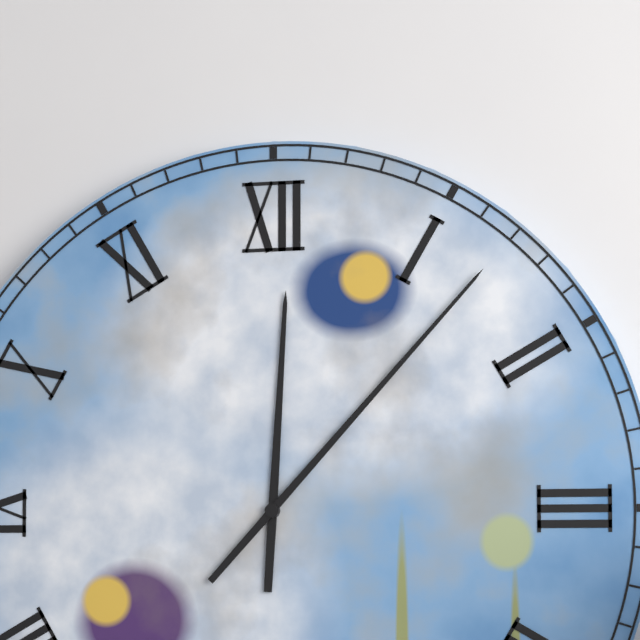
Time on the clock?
12:07
